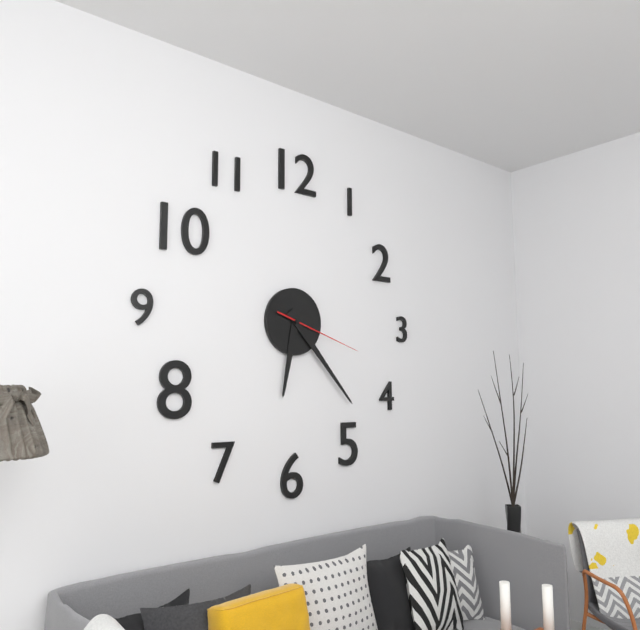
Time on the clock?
6:23:18
